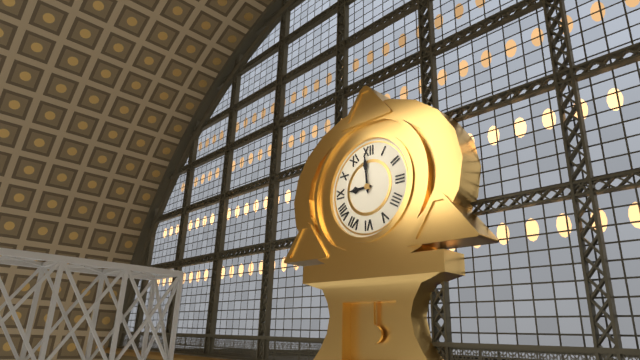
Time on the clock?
8:59
